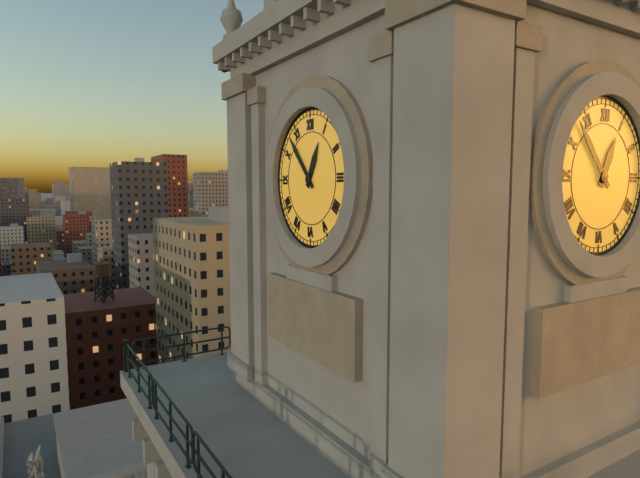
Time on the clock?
12:53
